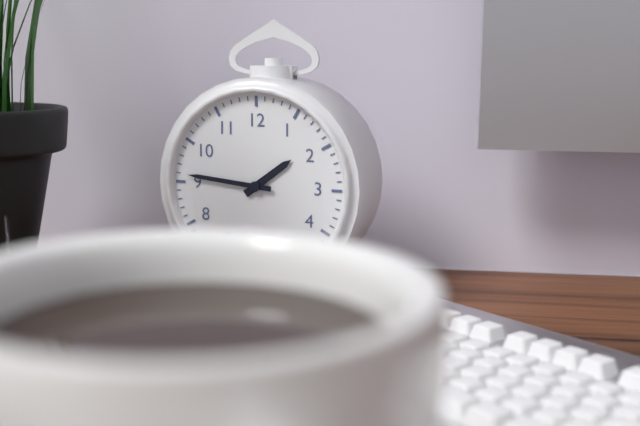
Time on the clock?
1:46
